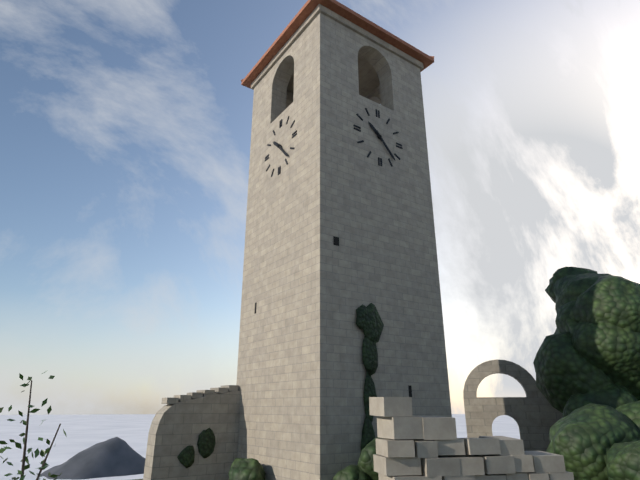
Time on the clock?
10:23
